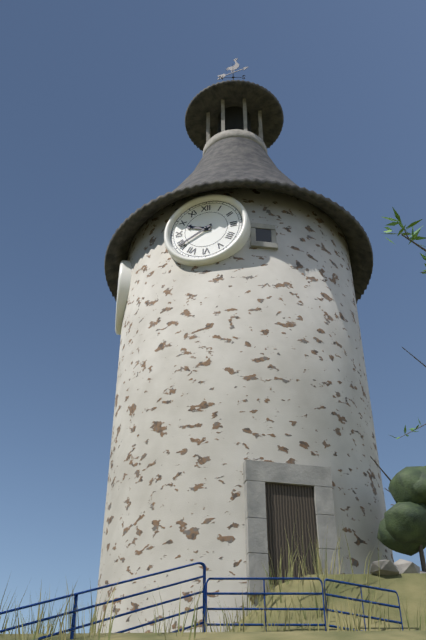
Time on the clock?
9:40
